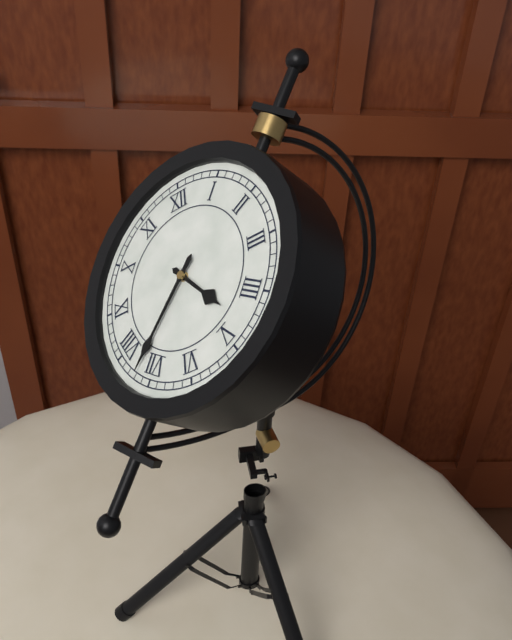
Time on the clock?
4:37
